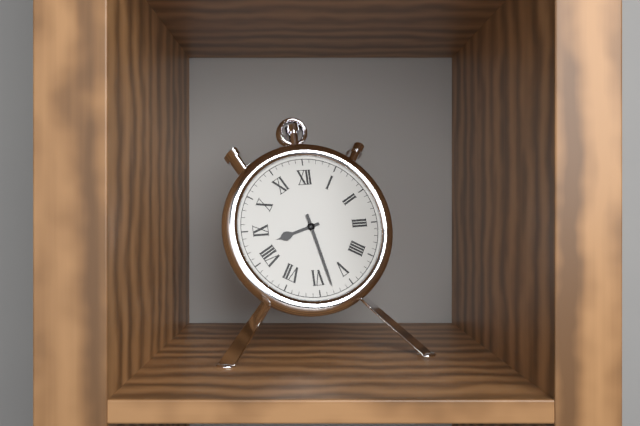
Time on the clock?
8:28
